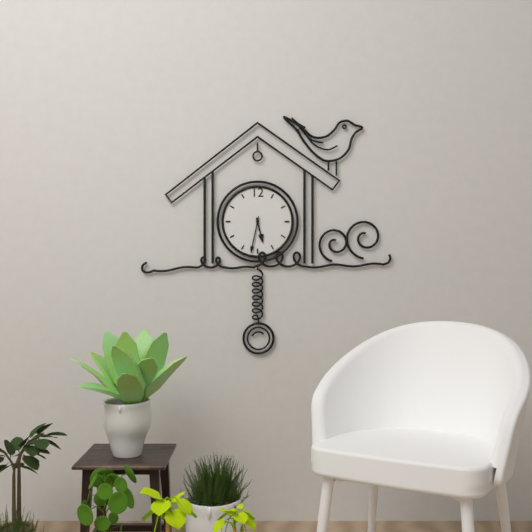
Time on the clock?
5:32
